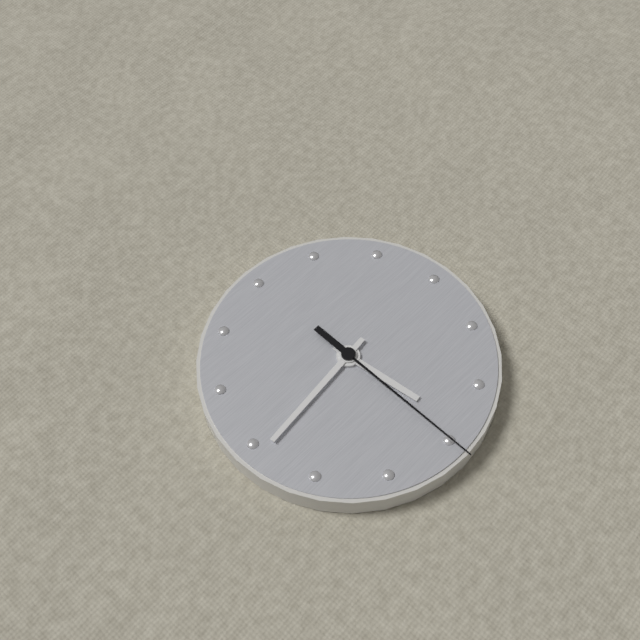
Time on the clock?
5:44:30
